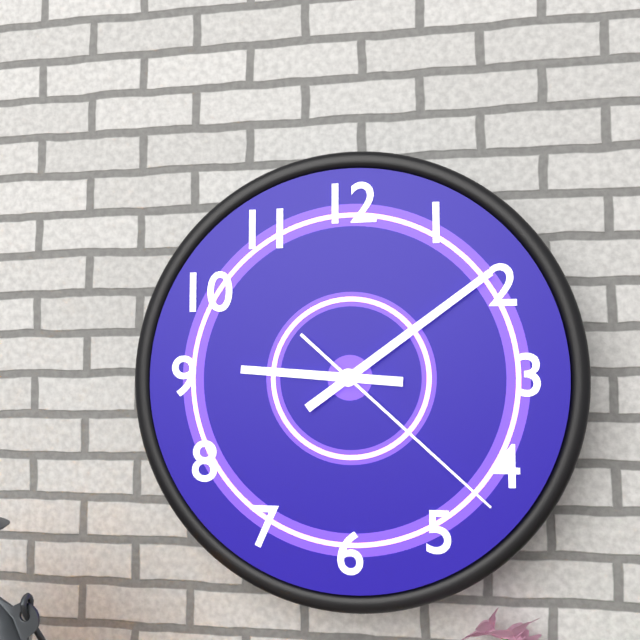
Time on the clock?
9:09:22
